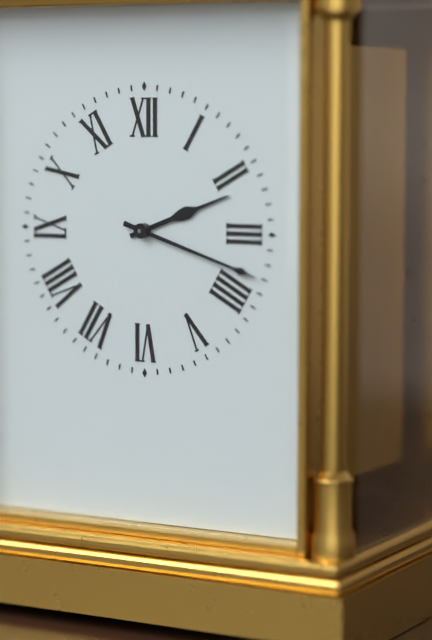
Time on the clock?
2:18
